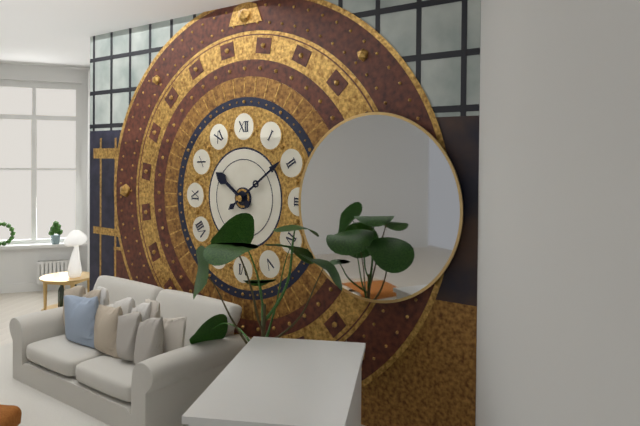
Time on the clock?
10:09
